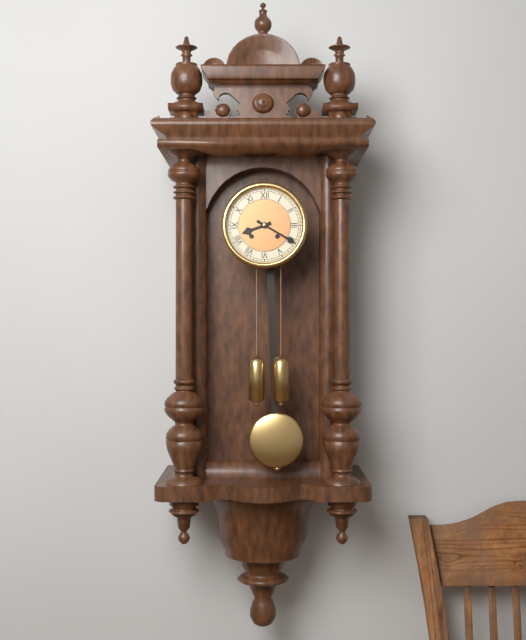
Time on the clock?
8:20
